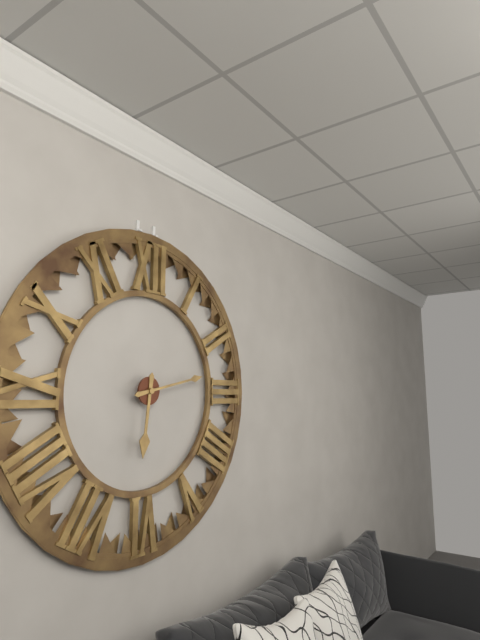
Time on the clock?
6:13
